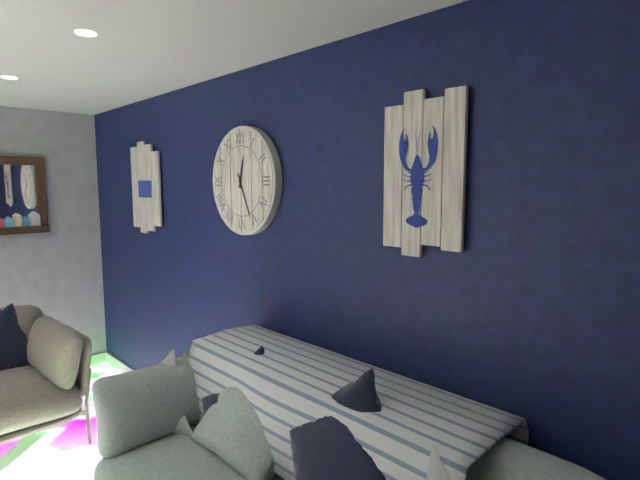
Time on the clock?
12:26
